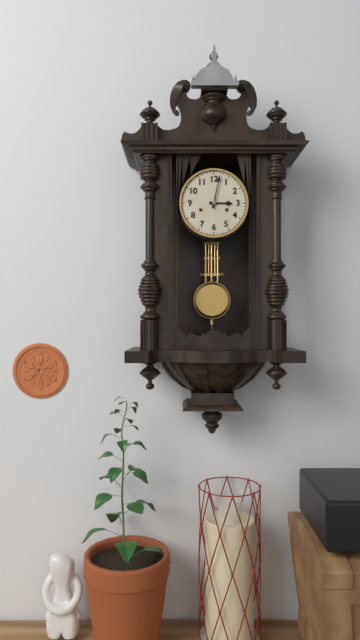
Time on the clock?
3:02
